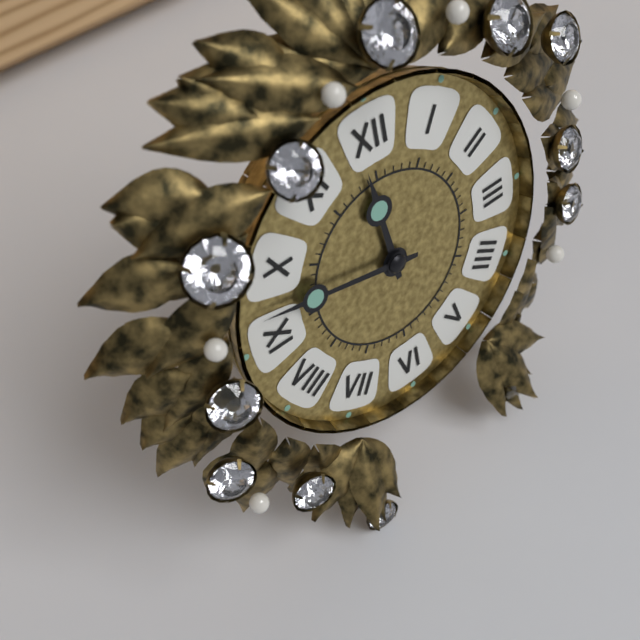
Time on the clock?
11:47
